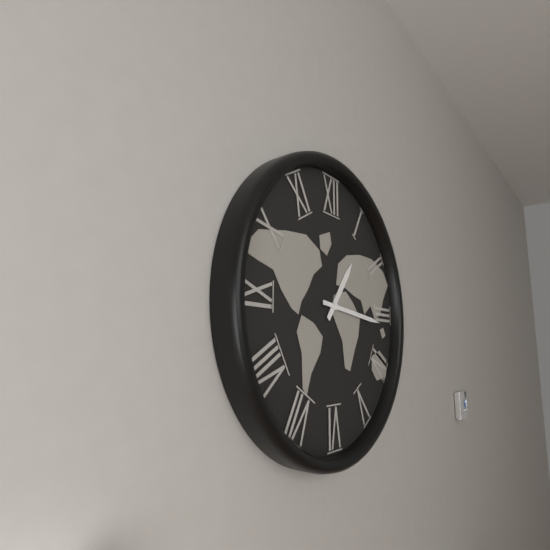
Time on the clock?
1:16
